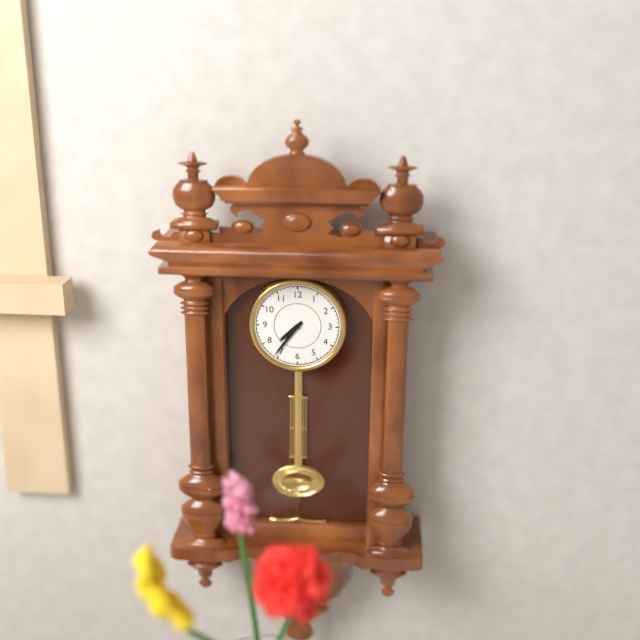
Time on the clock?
7:36
